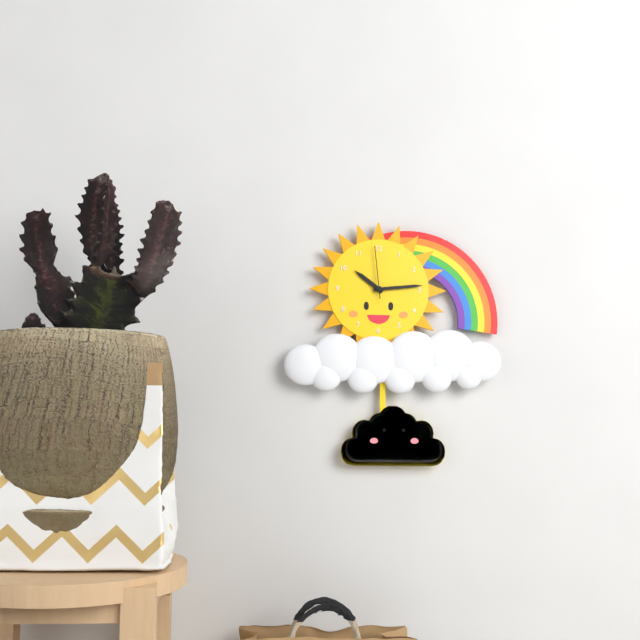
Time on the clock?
10:14:59
